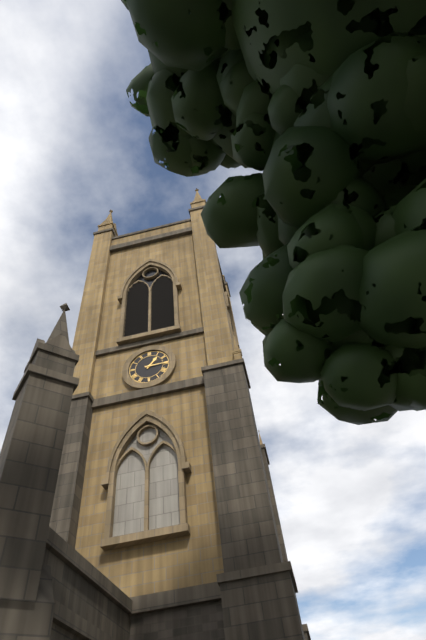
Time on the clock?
1:15
